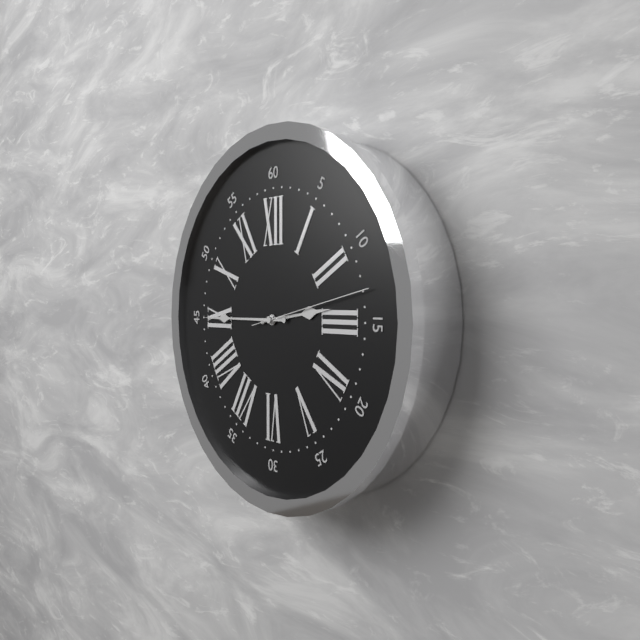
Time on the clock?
2:45:13
